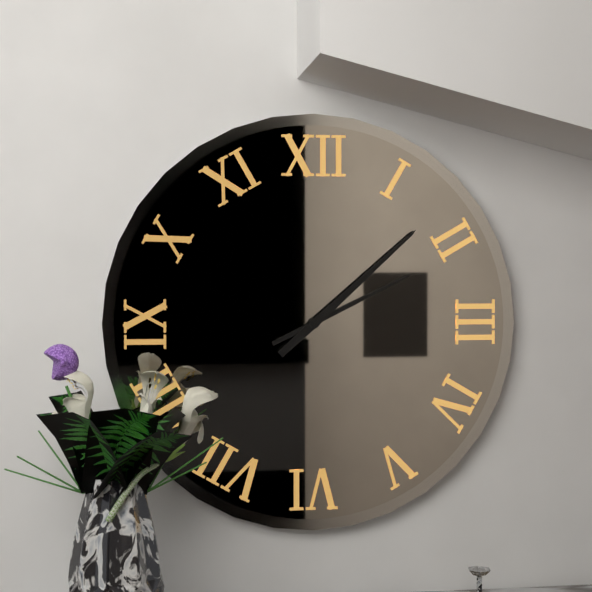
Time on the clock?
2:08
